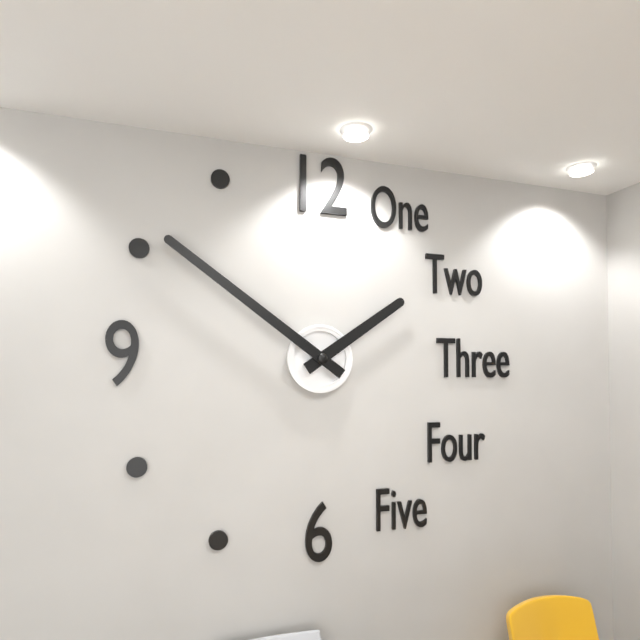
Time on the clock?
1:51
